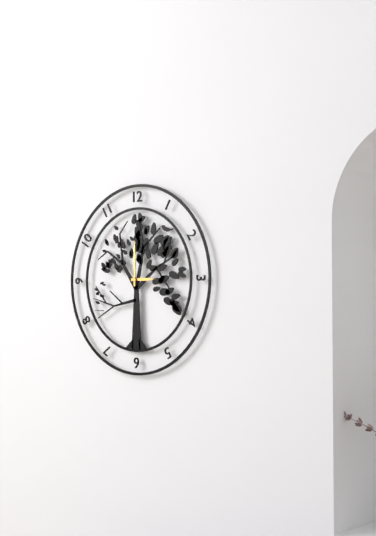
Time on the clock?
3:00
